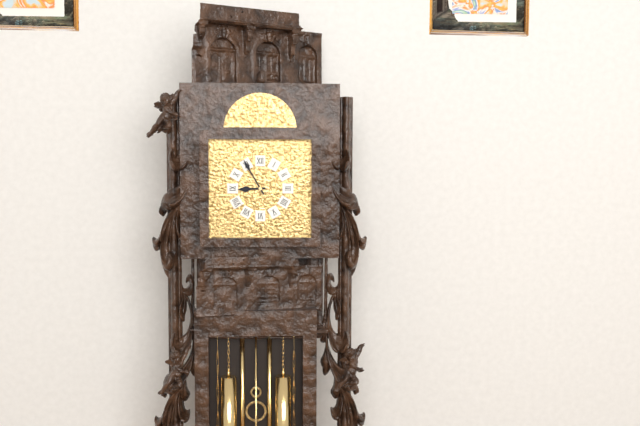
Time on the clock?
8:55
